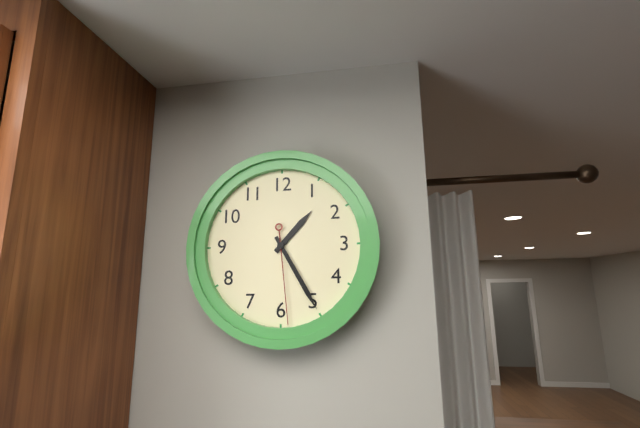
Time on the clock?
1:25:29
